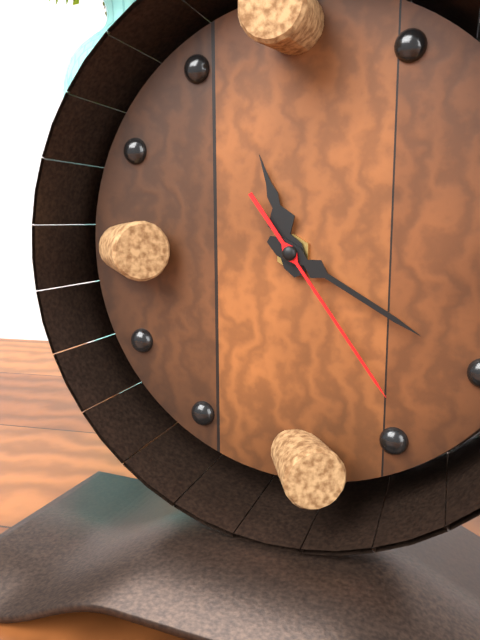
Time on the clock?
11:20:24
